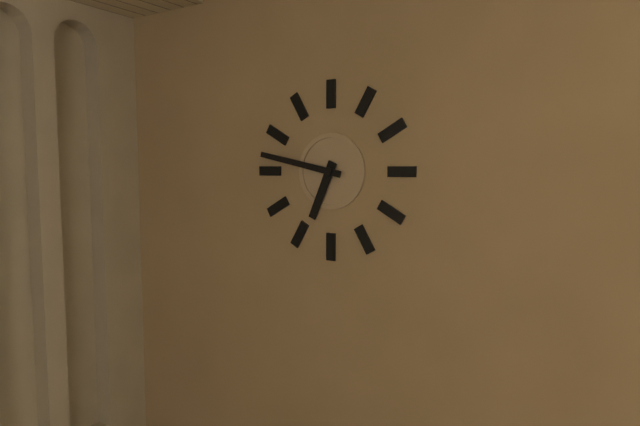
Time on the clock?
6:47
